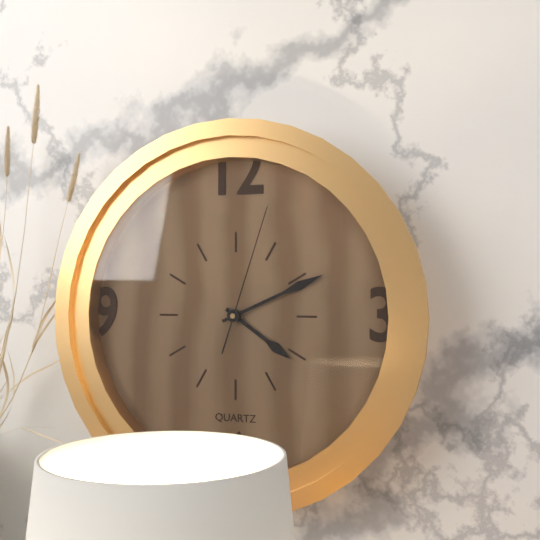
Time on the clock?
4:11:03
